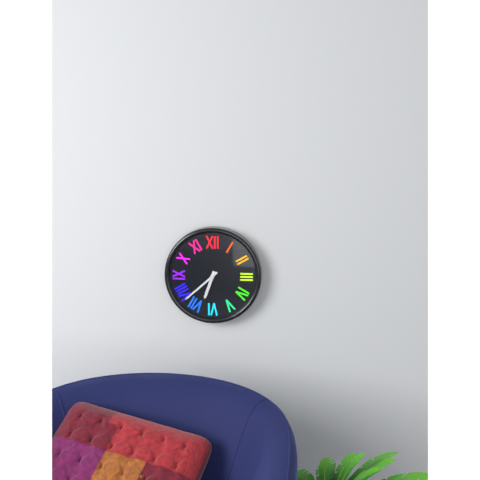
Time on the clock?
6:38
